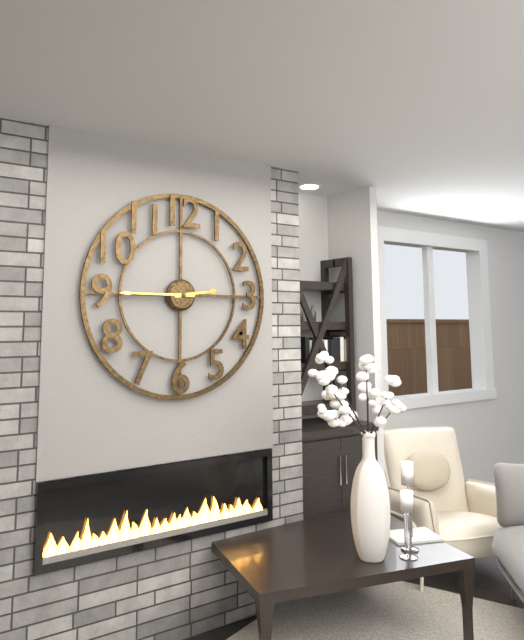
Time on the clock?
2:45
